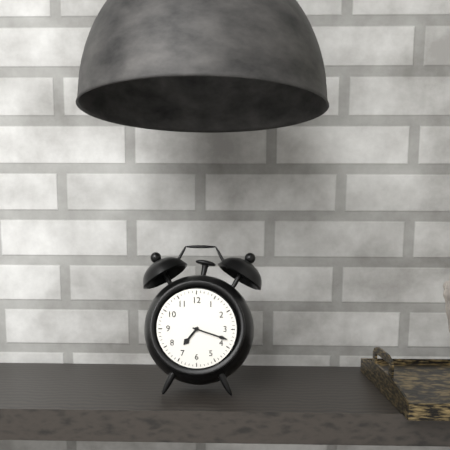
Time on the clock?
7:18
